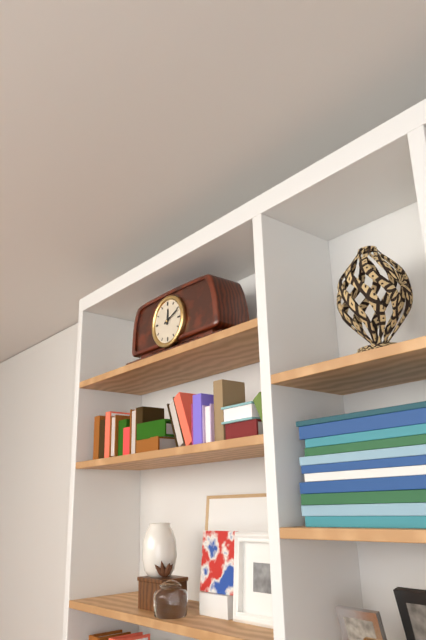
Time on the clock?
12:11
